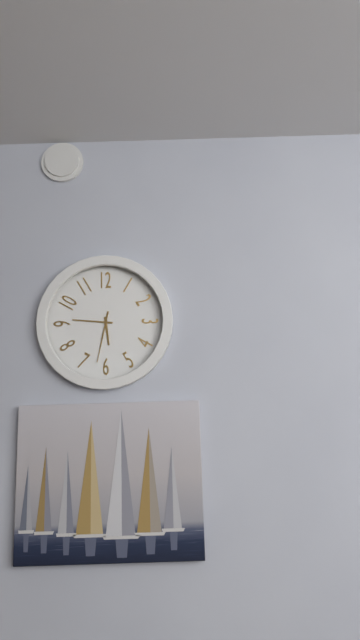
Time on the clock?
5:46:32
